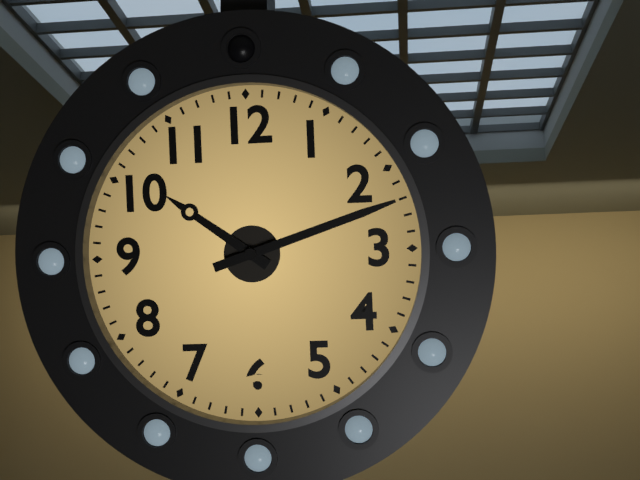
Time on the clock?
10:12
